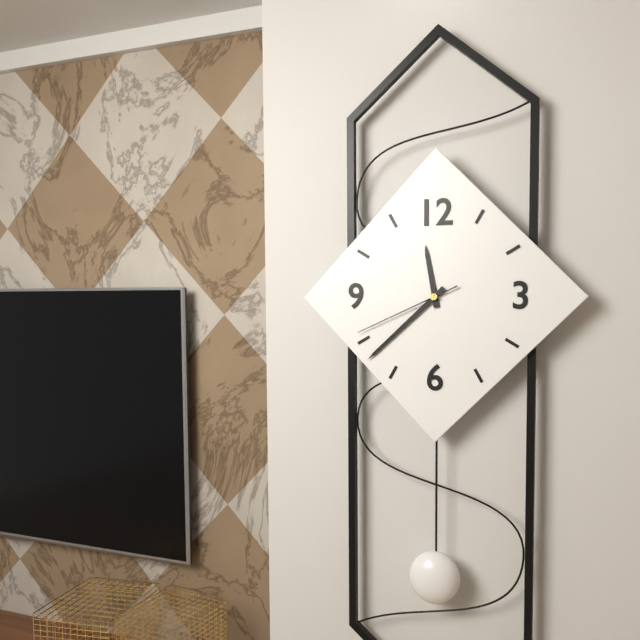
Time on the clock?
11:38:41
